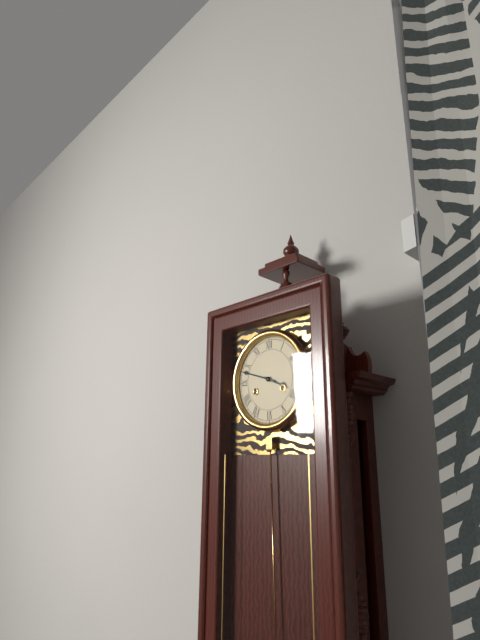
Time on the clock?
3:48
